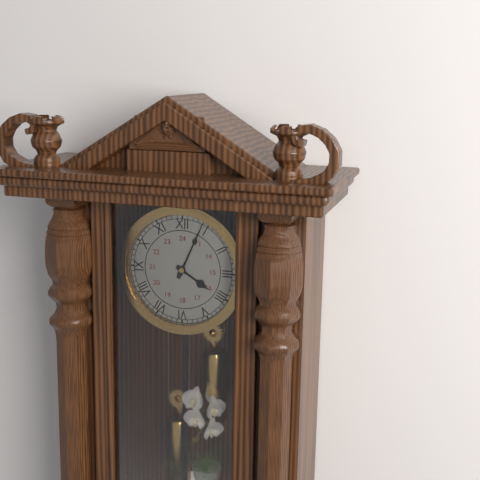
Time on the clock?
4:04
